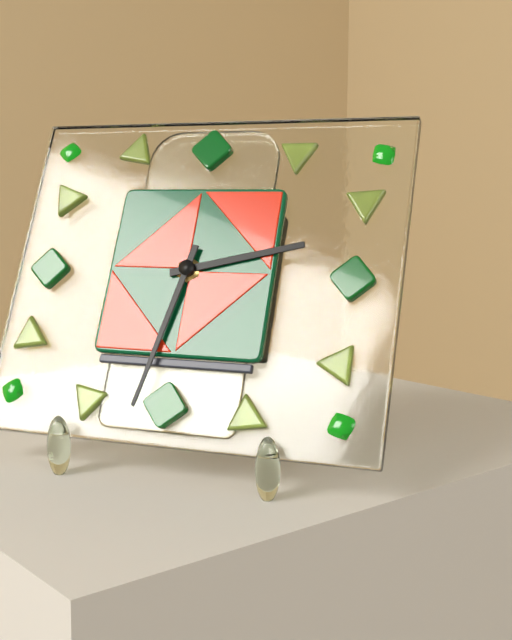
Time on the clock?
2:32
